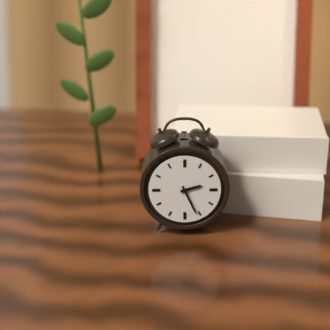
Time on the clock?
2:26
